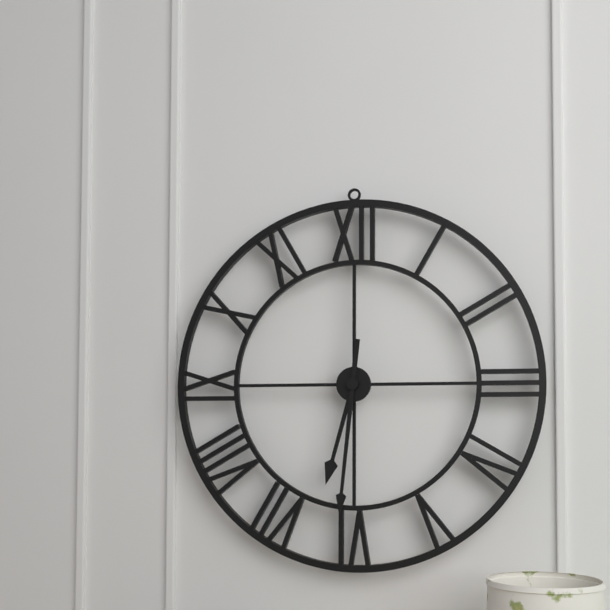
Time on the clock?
6:31
